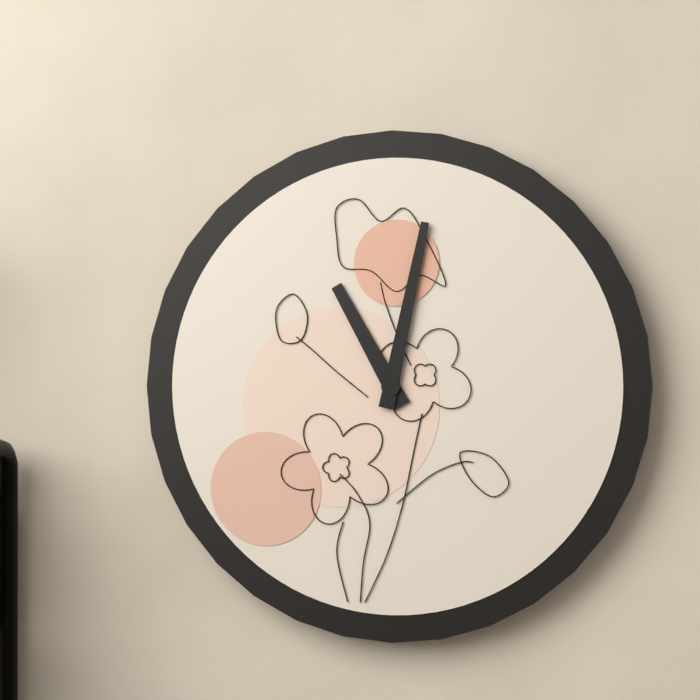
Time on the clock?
11:02
